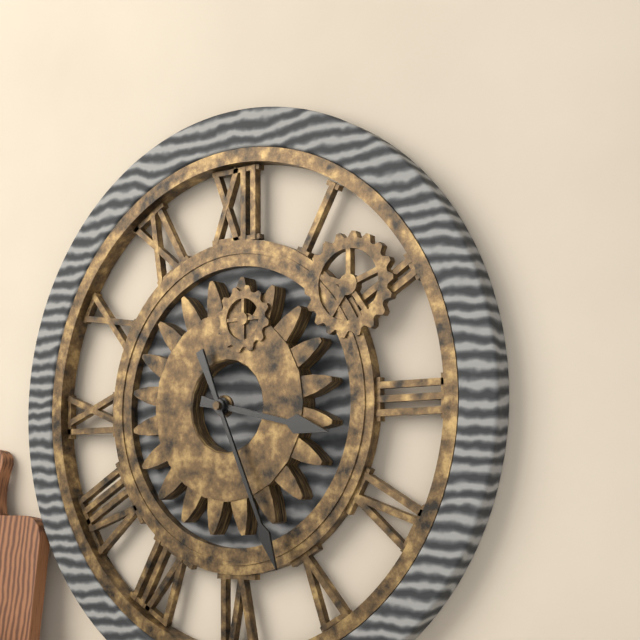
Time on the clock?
3:26
